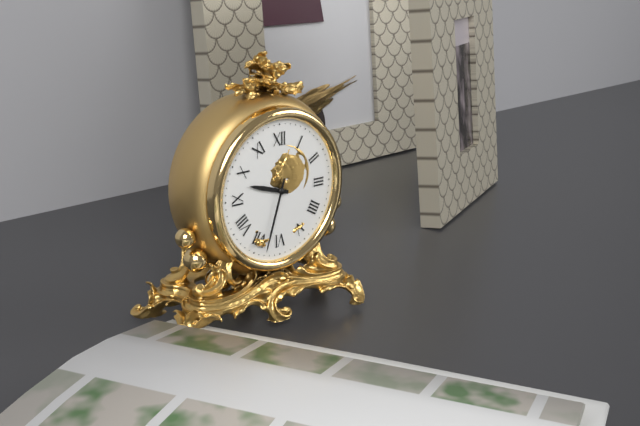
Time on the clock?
9:33
